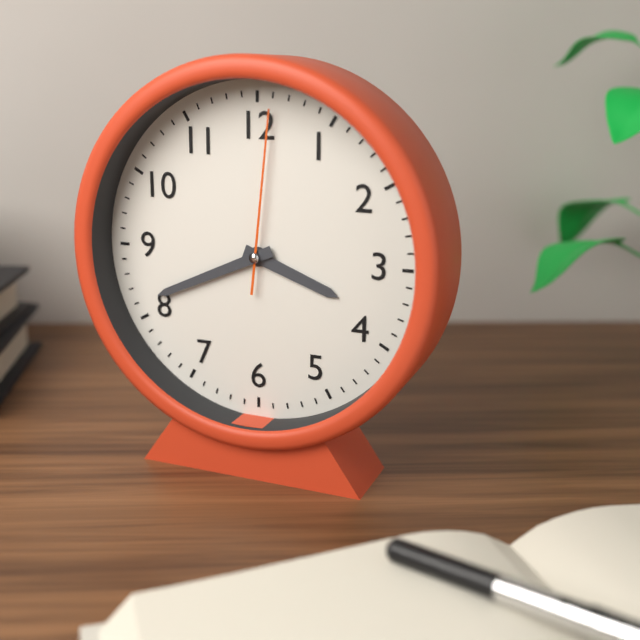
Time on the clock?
3:41:01
